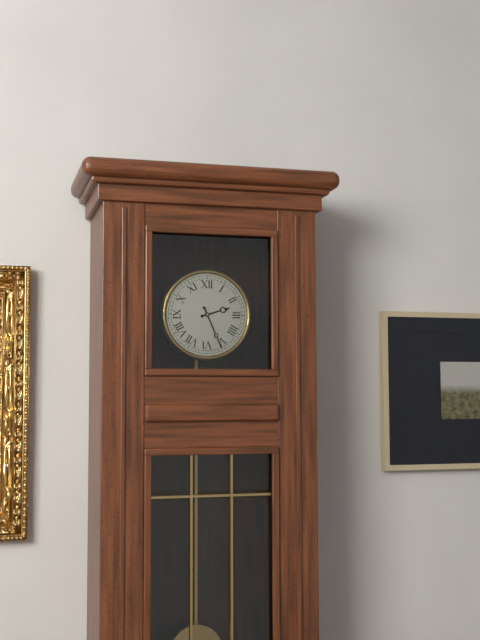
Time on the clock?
2:26
